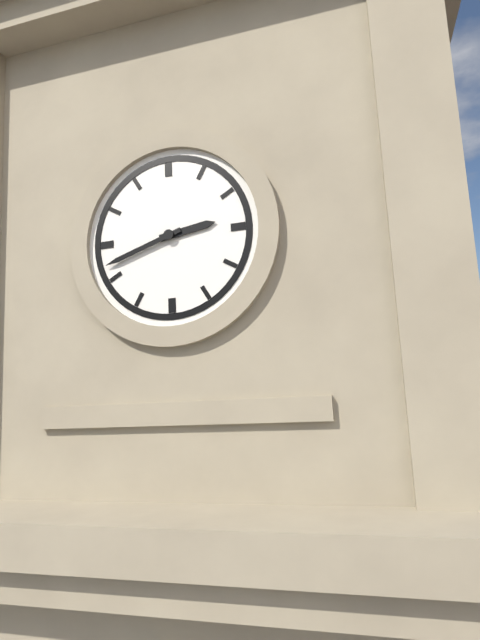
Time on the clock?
2:42
